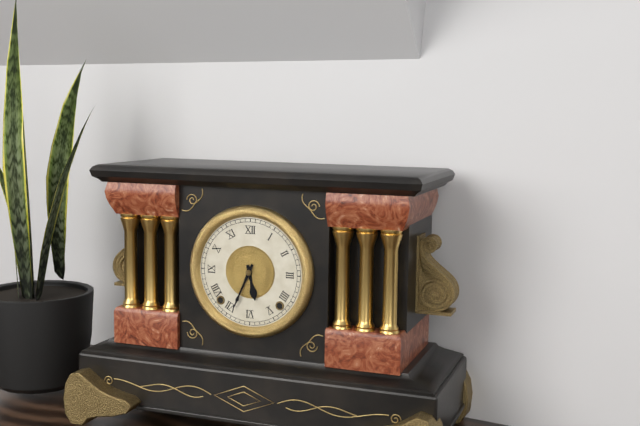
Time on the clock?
5:34
